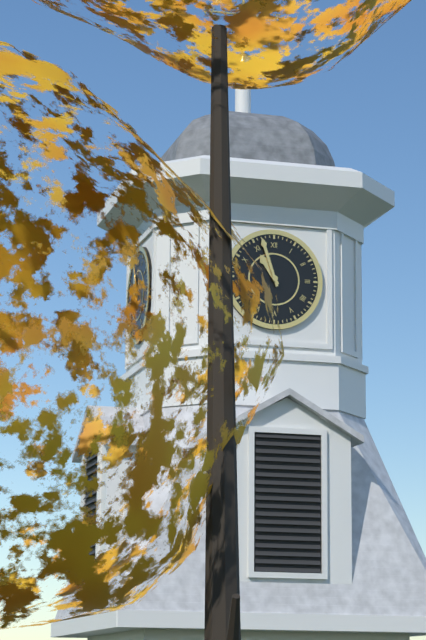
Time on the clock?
10:57
